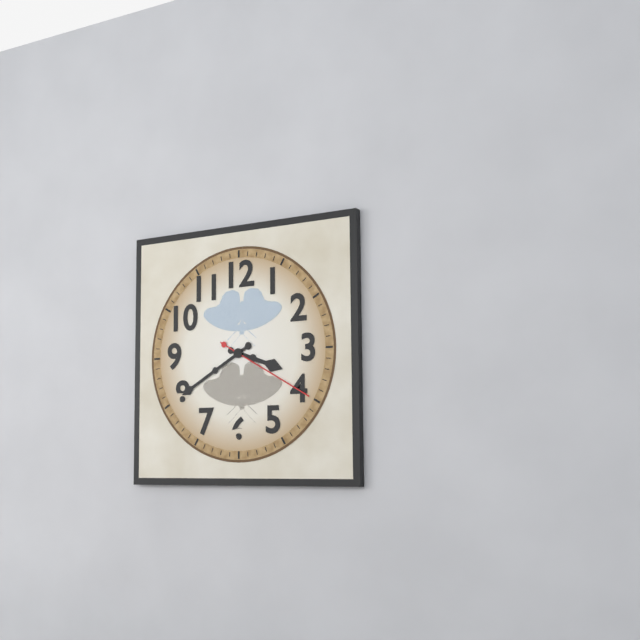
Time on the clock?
3:40:20
